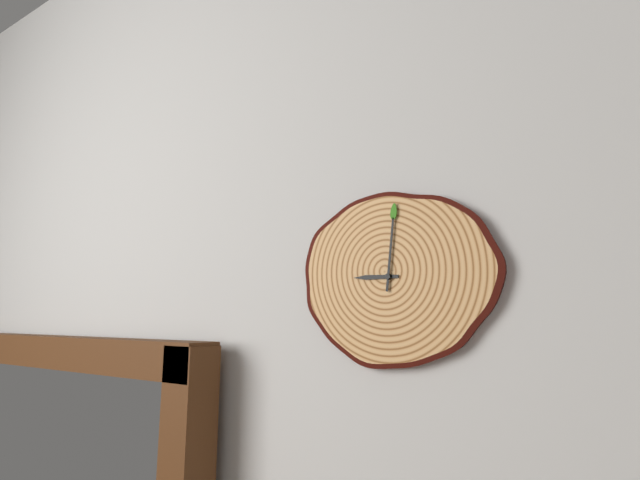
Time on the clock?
9:01
